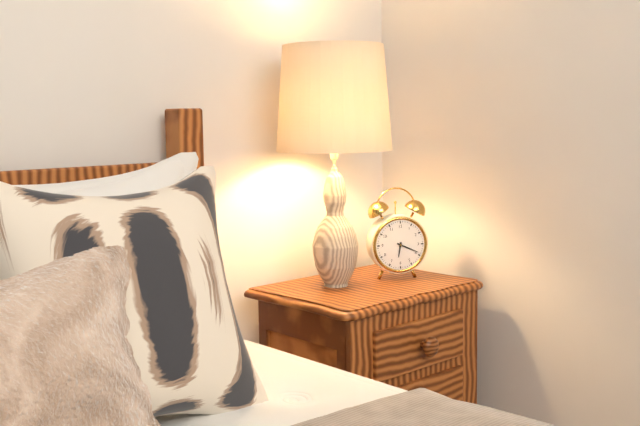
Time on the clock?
6:19
